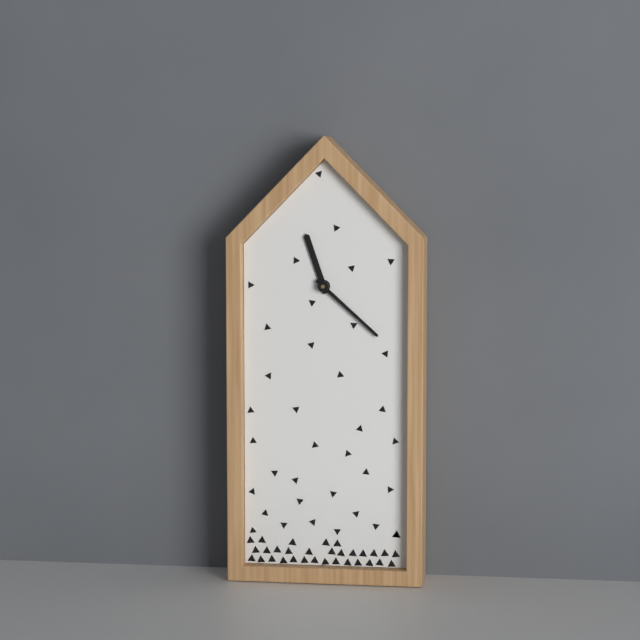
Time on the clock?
11:22
